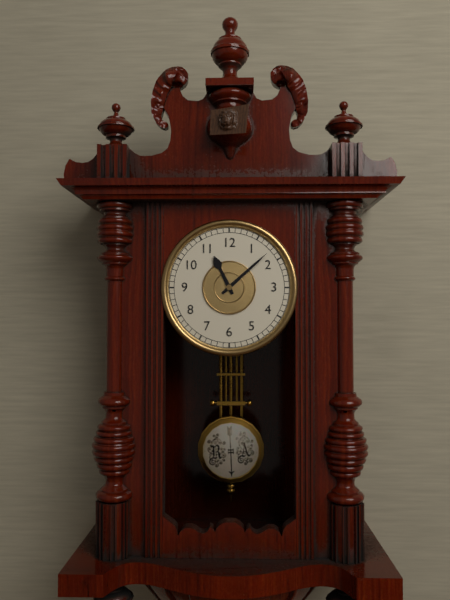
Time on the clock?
11:08
